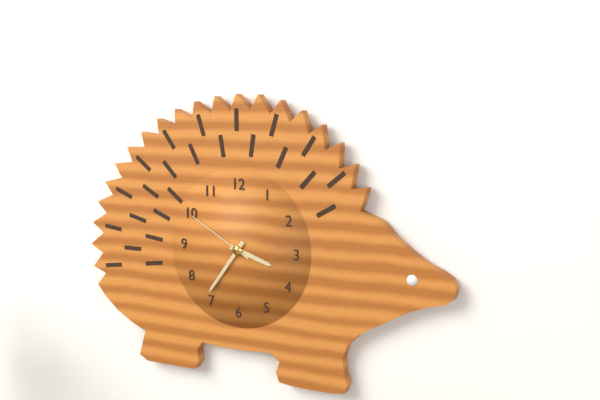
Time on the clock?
3:36:50
